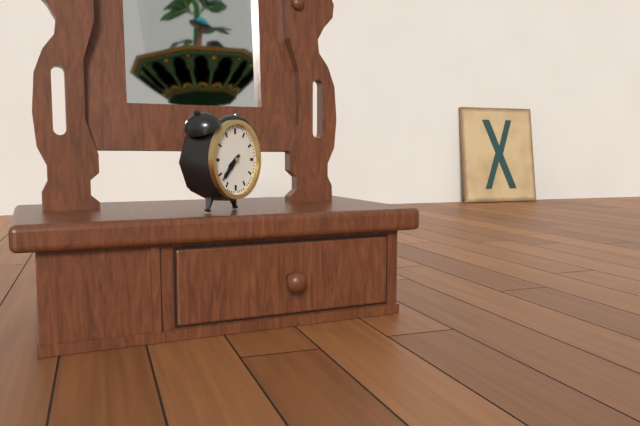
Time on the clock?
7:38
